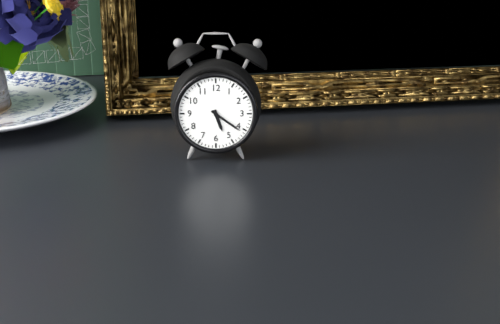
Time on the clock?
5:21
